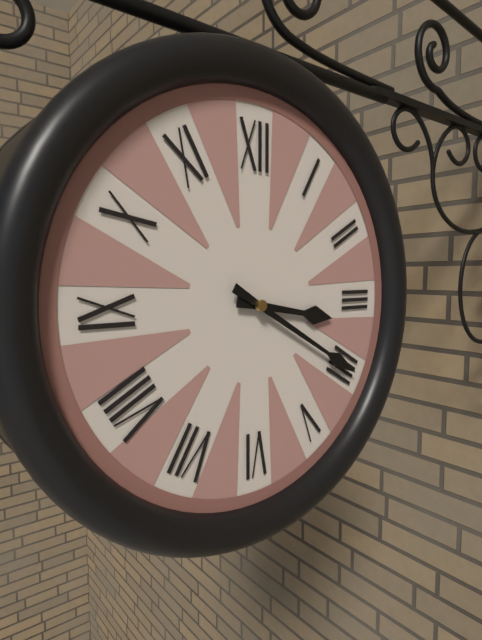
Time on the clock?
3:20
